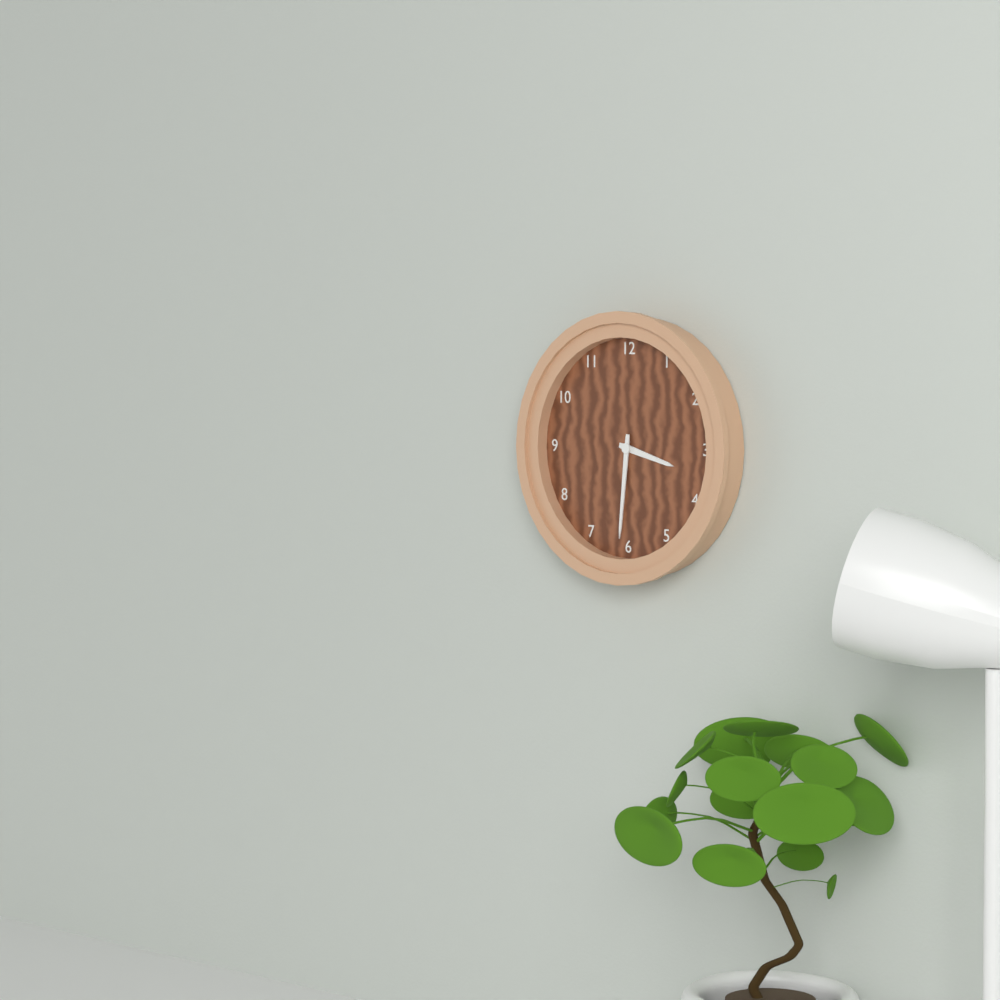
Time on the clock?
3:31
